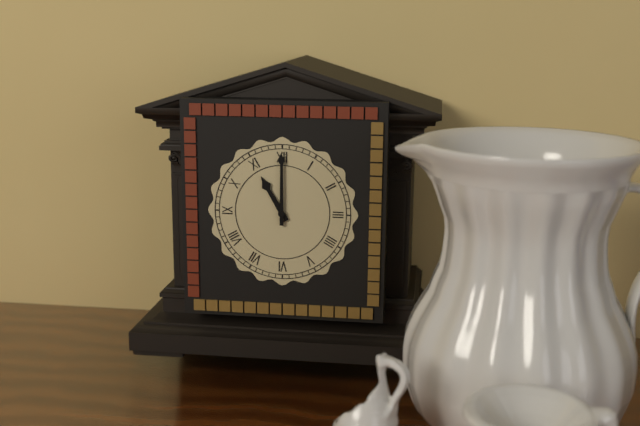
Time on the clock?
11:00
